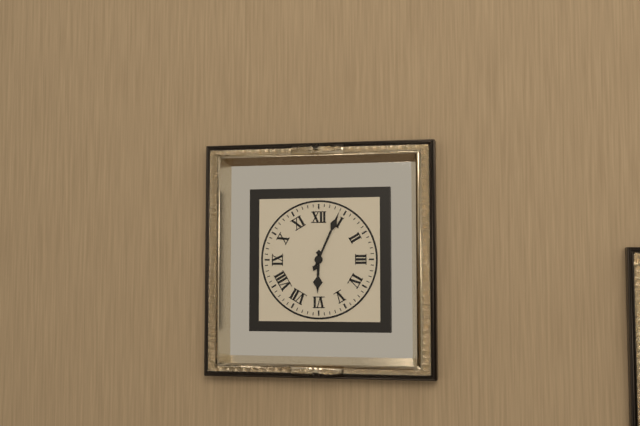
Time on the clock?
6:04
